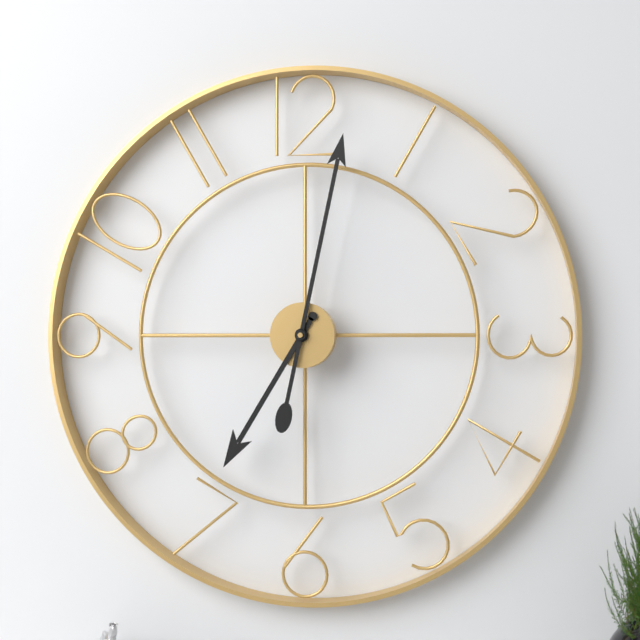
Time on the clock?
7:02
